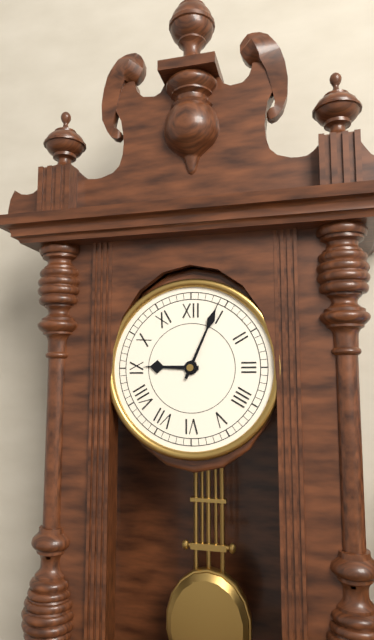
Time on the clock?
9:04
